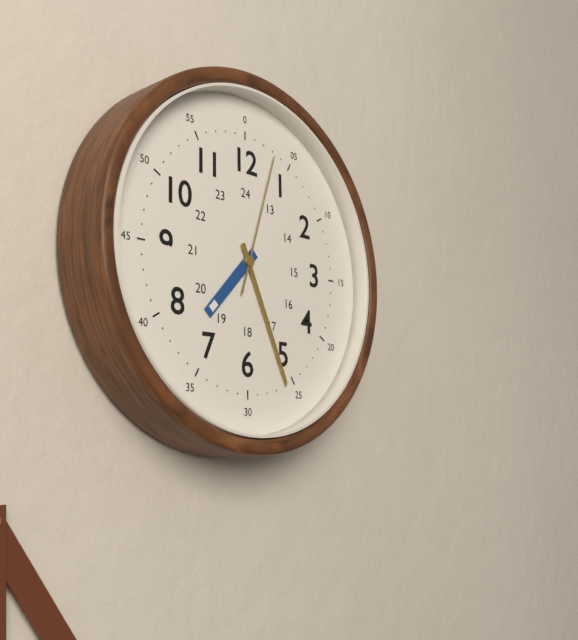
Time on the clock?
7:26:03
